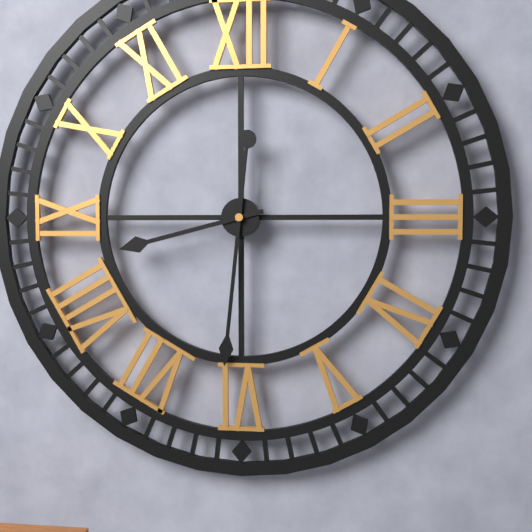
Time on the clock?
8:31
